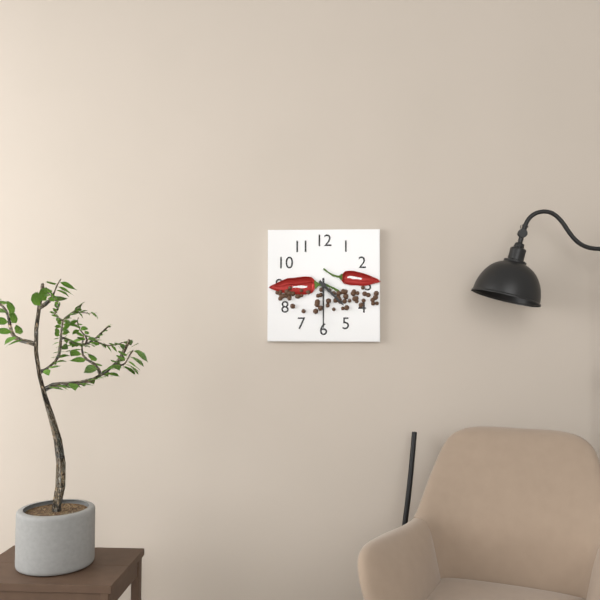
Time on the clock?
4:30
